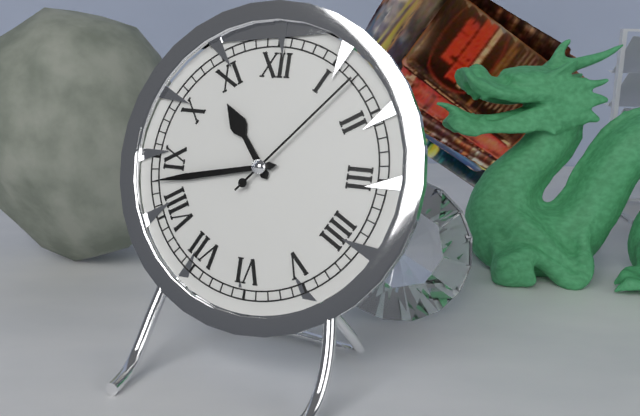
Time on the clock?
10:43:07
